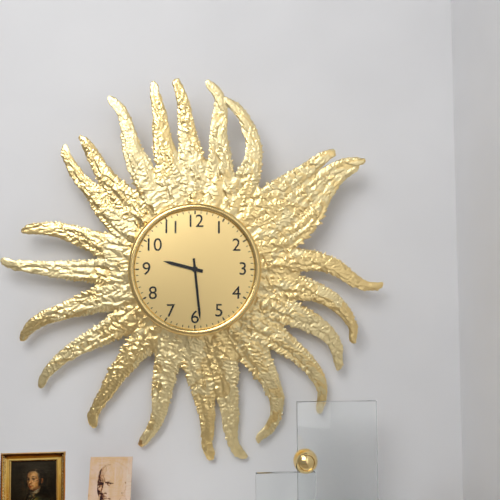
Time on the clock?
9:29
